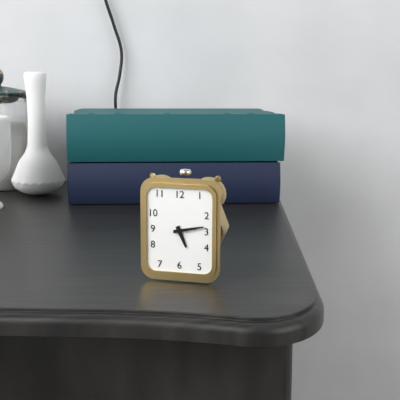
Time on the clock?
5:13
